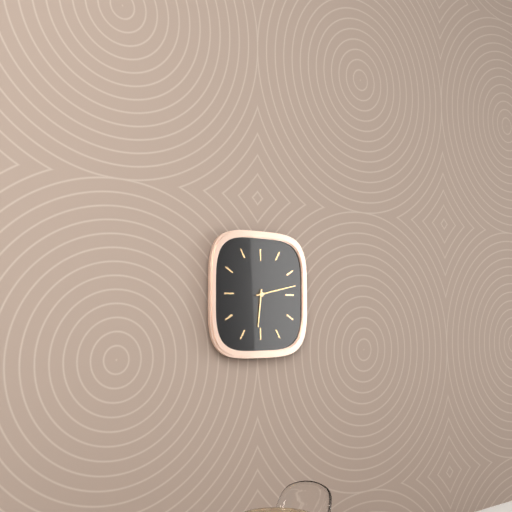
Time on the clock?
6:13
